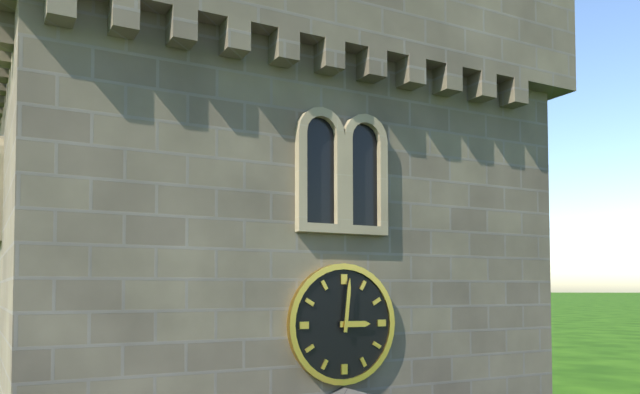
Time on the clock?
3:01
